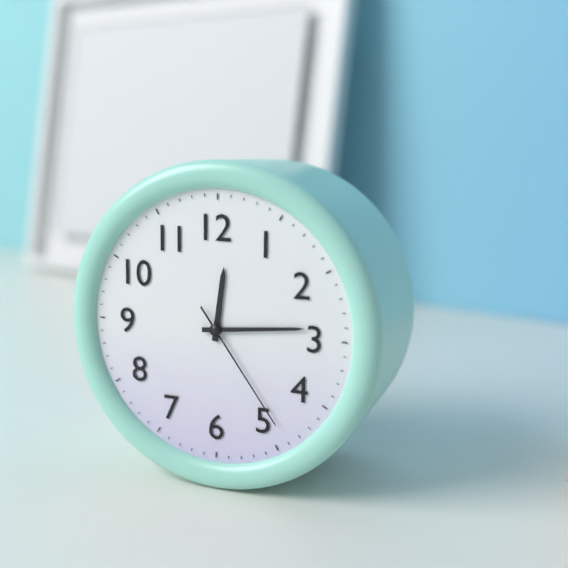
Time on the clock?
12:14:24
